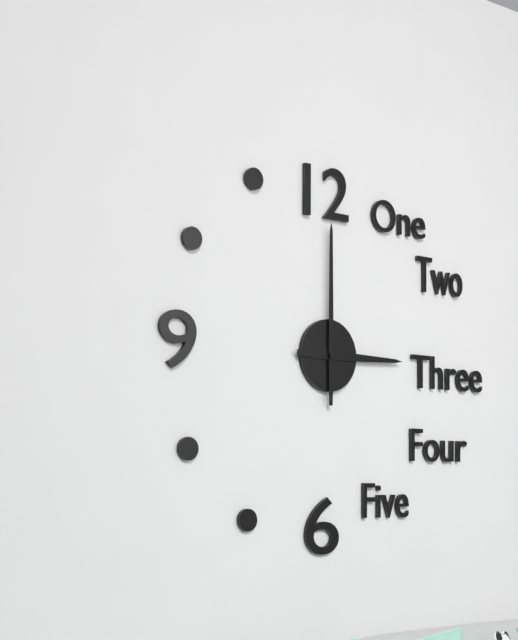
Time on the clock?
3:00
